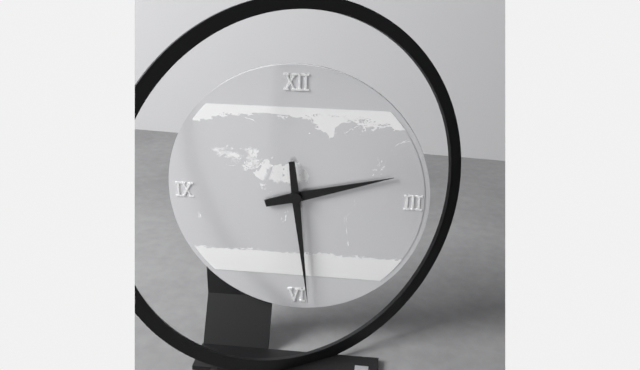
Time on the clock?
2:29
